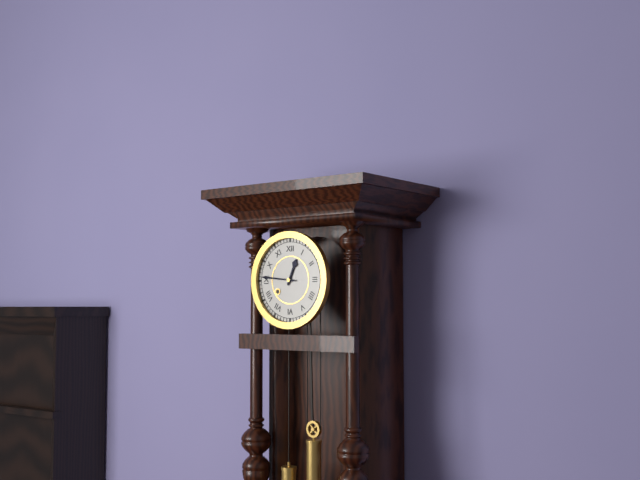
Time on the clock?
12:46
